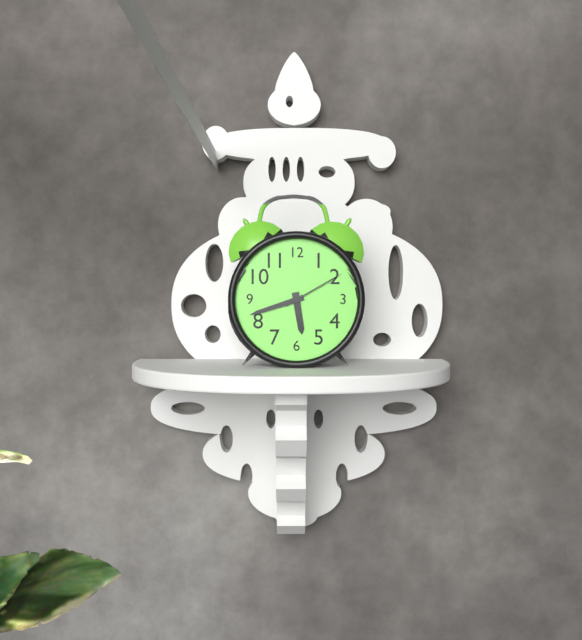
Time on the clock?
5:42:10
